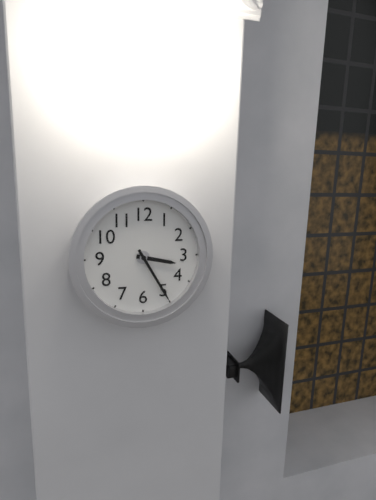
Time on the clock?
3:25
